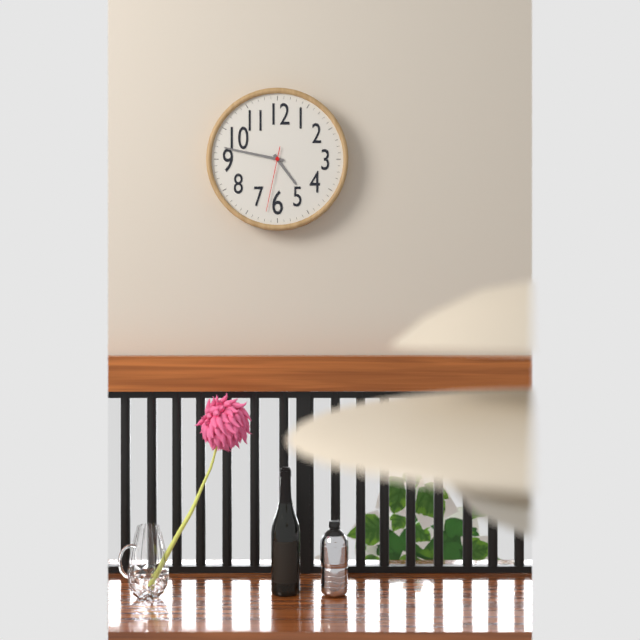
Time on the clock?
4:47:32
